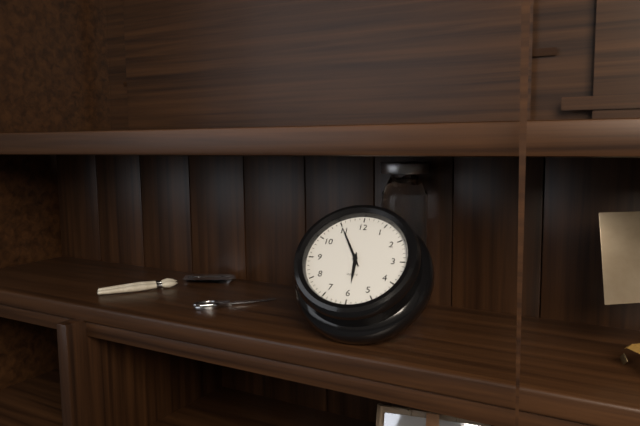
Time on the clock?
5:55
